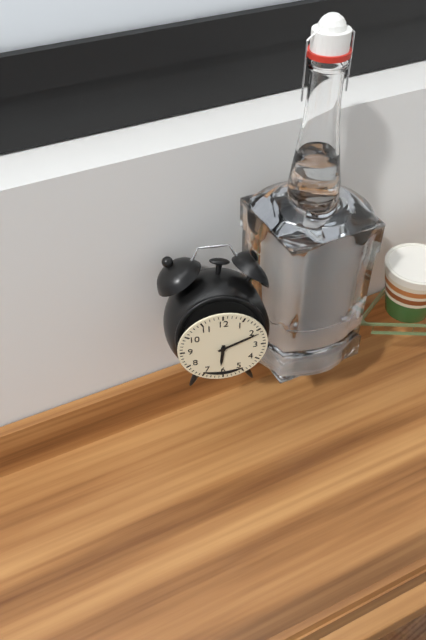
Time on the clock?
6:11
